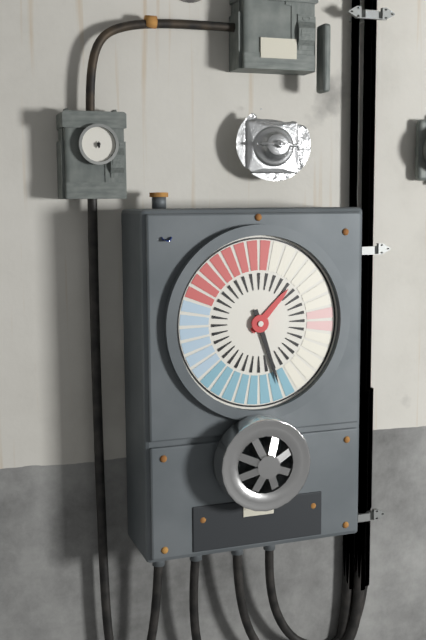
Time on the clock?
1:27
